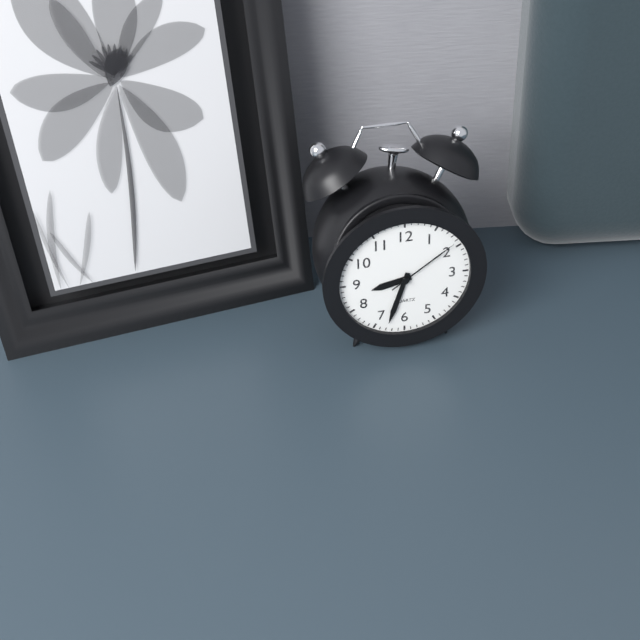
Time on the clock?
8:33:09
